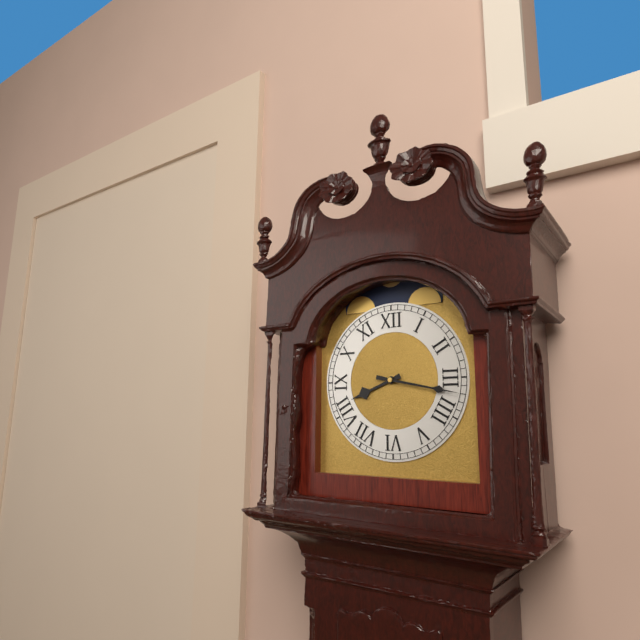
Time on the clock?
8:17
